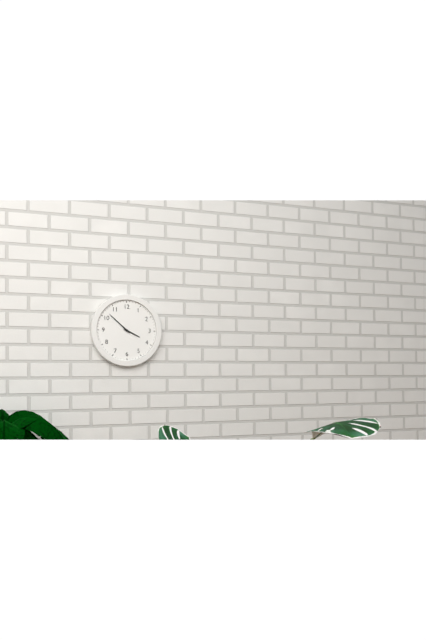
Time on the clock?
3:52
